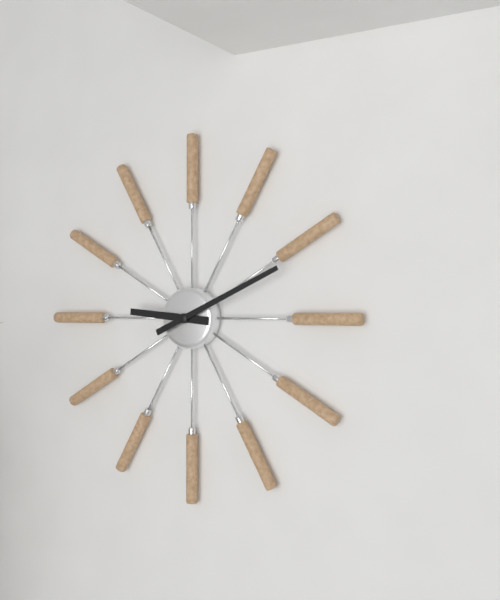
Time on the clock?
9:11
